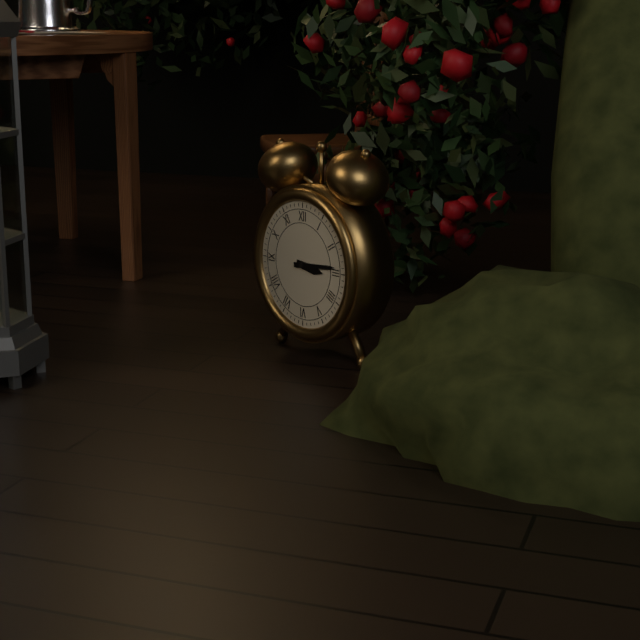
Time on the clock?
3:14
